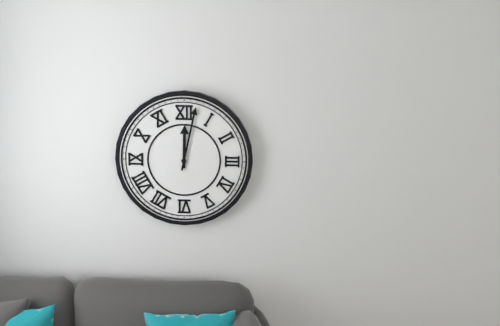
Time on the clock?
12:02
